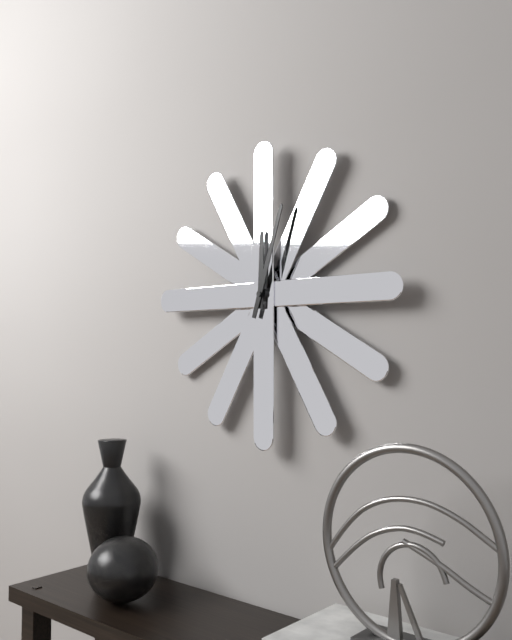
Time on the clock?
12:03
